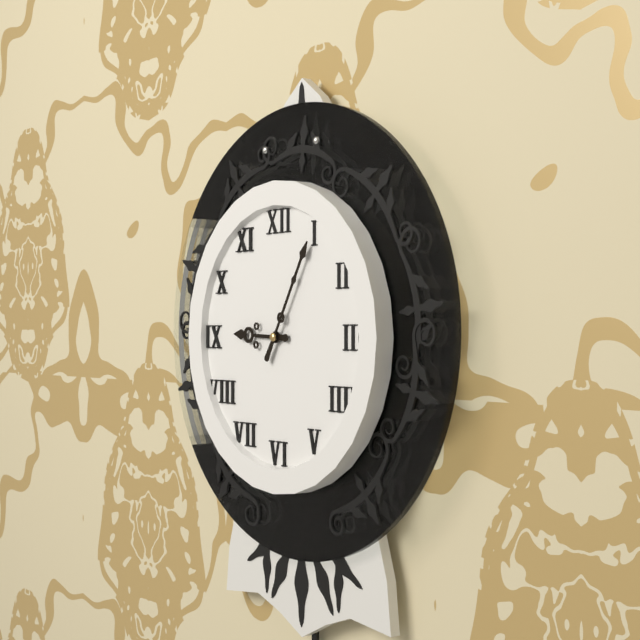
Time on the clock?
9:05
